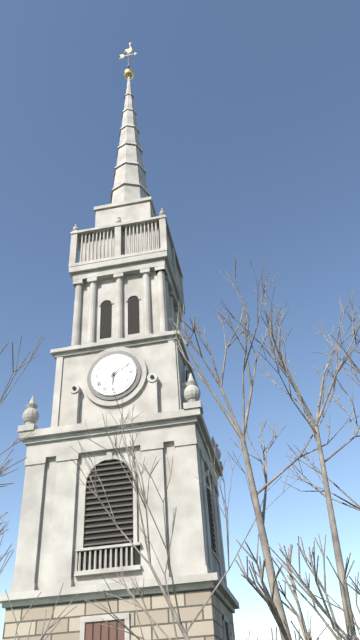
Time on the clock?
6:09
